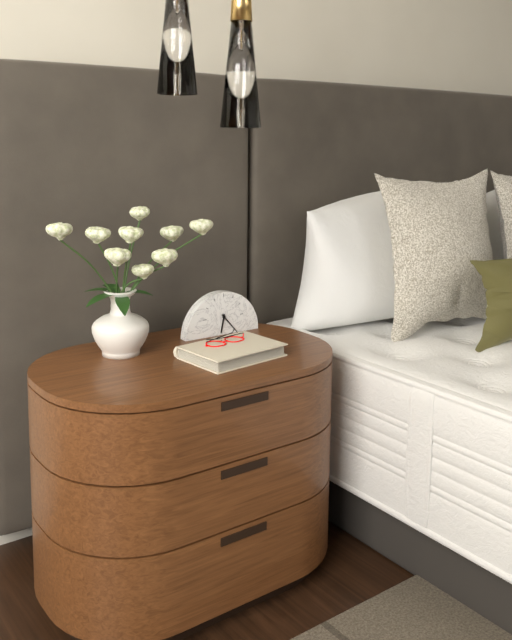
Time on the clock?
6:23
